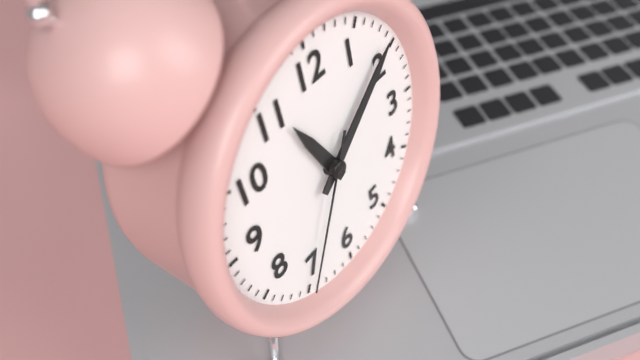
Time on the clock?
11:09:35
